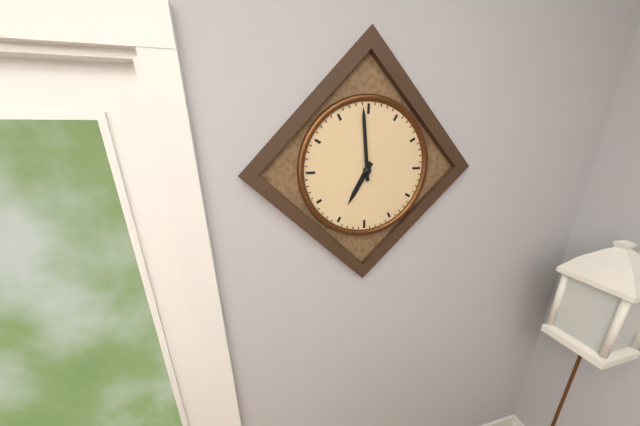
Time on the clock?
6:59
